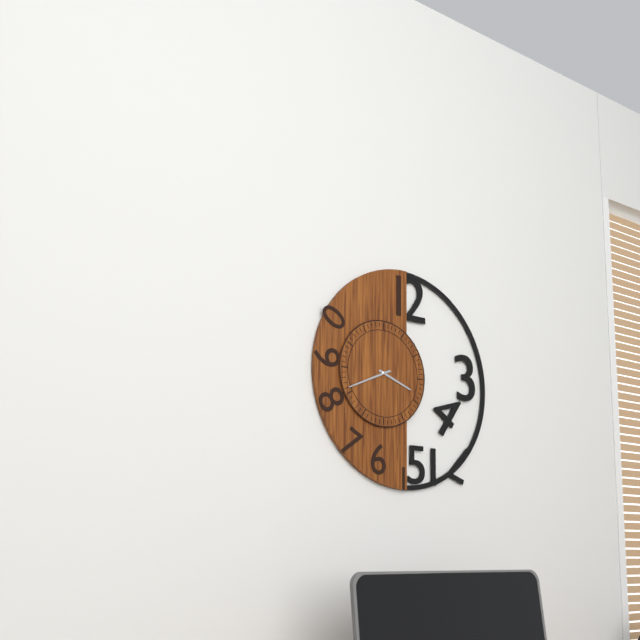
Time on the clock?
3:41
